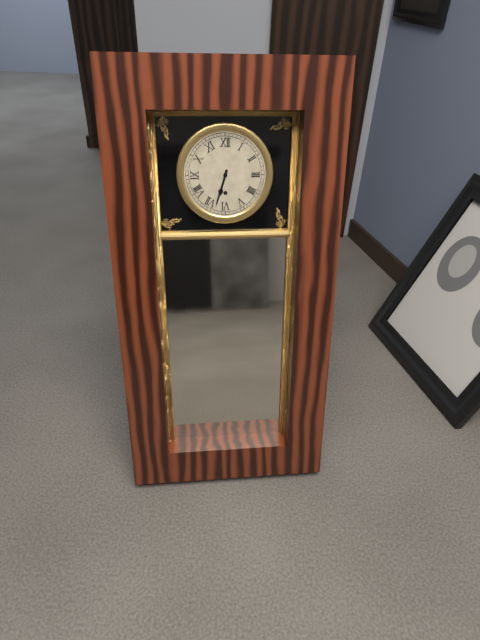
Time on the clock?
6:33
